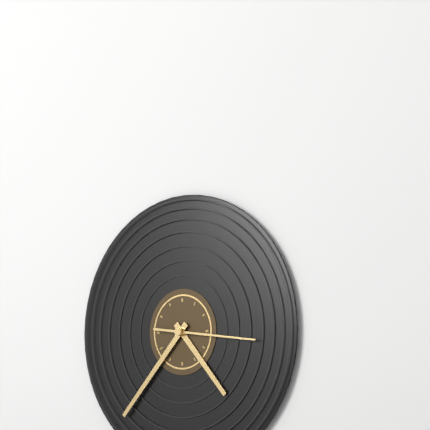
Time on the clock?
4:37:16
